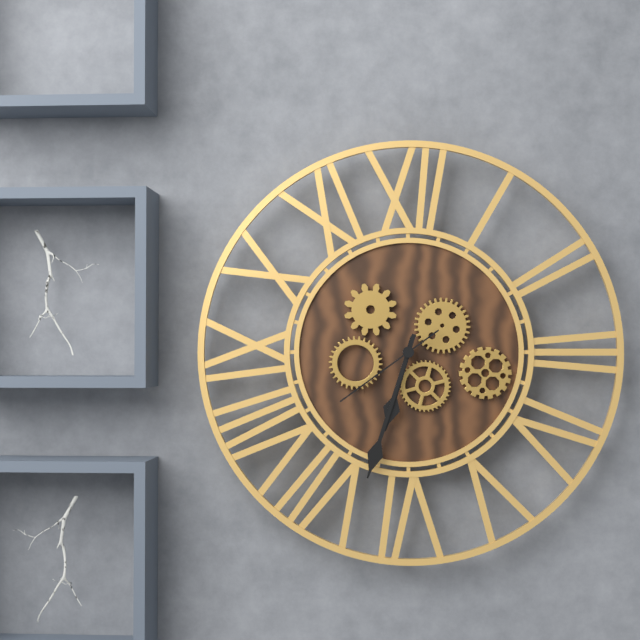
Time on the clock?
6:33:39
